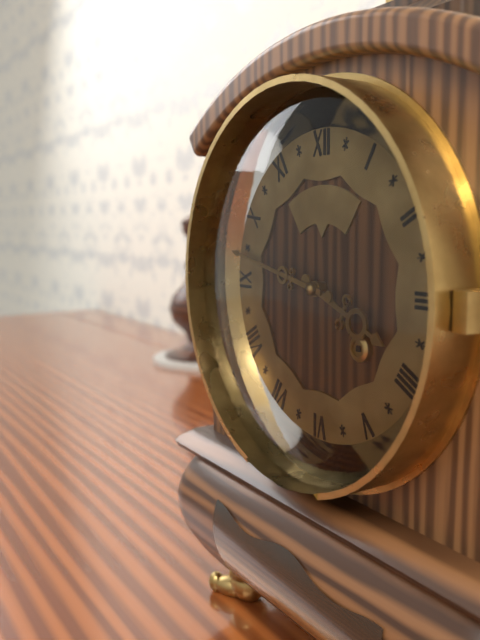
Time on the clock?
3:47
